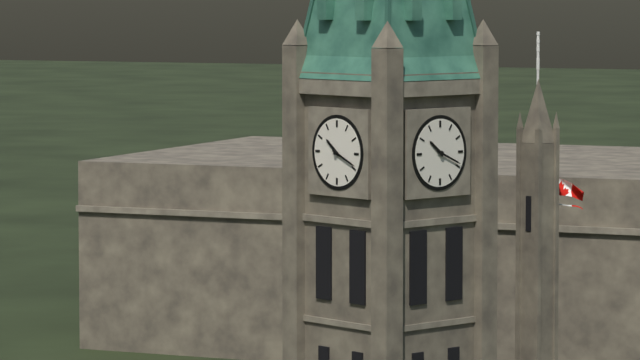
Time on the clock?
10:19
